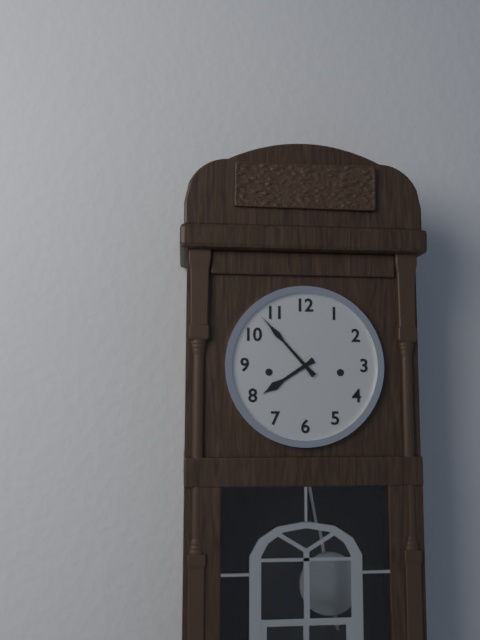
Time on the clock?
7:53
